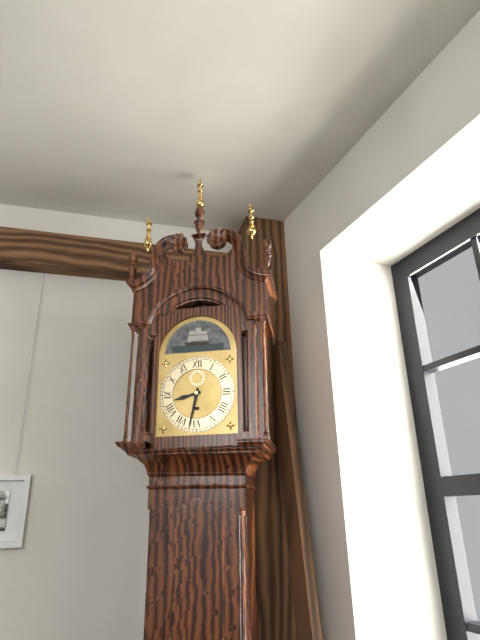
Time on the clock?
8:32
